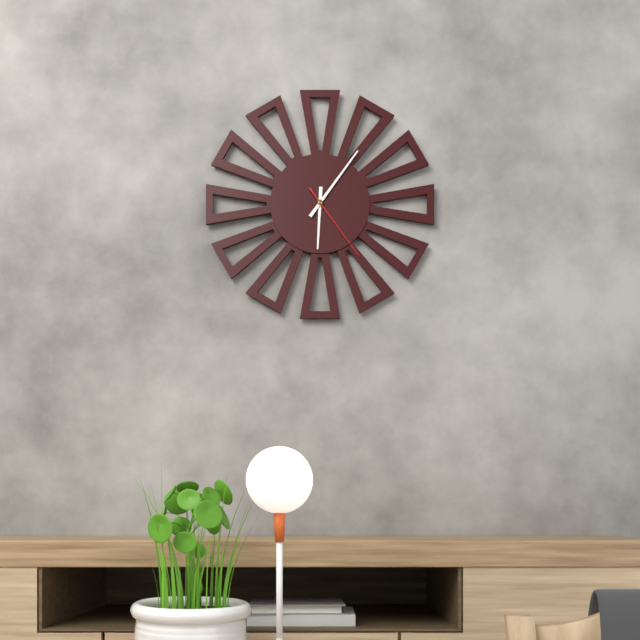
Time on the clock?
6:06:24
